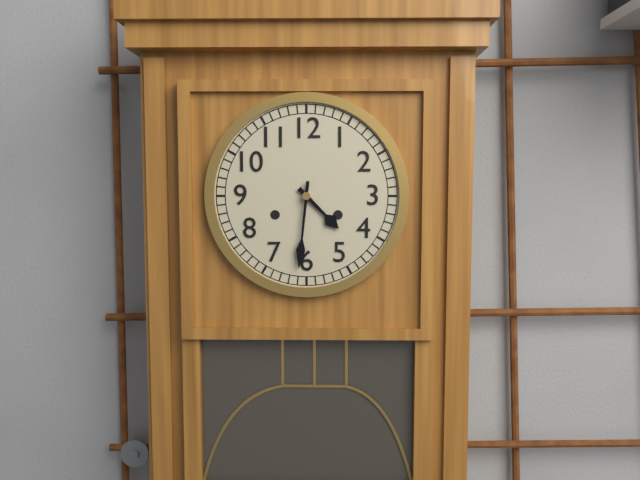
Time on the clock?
4:31
